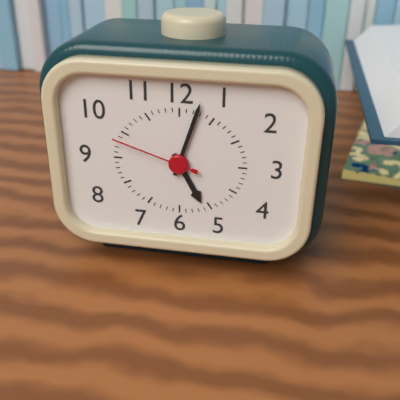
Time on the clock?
5:03:48
